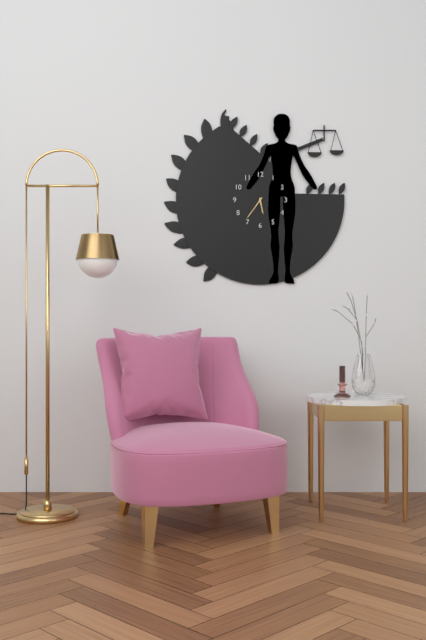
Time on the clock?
5:36
